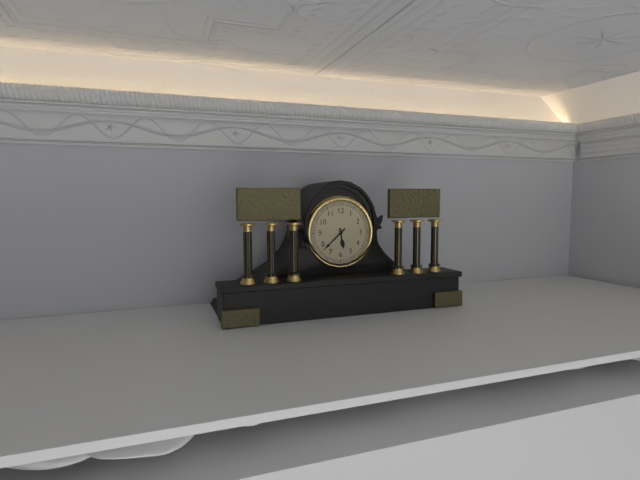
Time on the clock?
5:38
